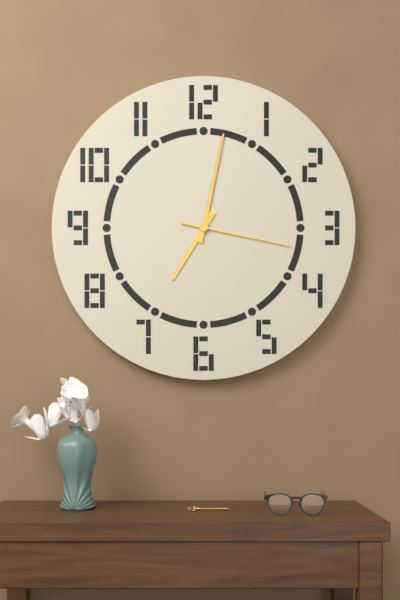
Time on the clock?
7:02:17
